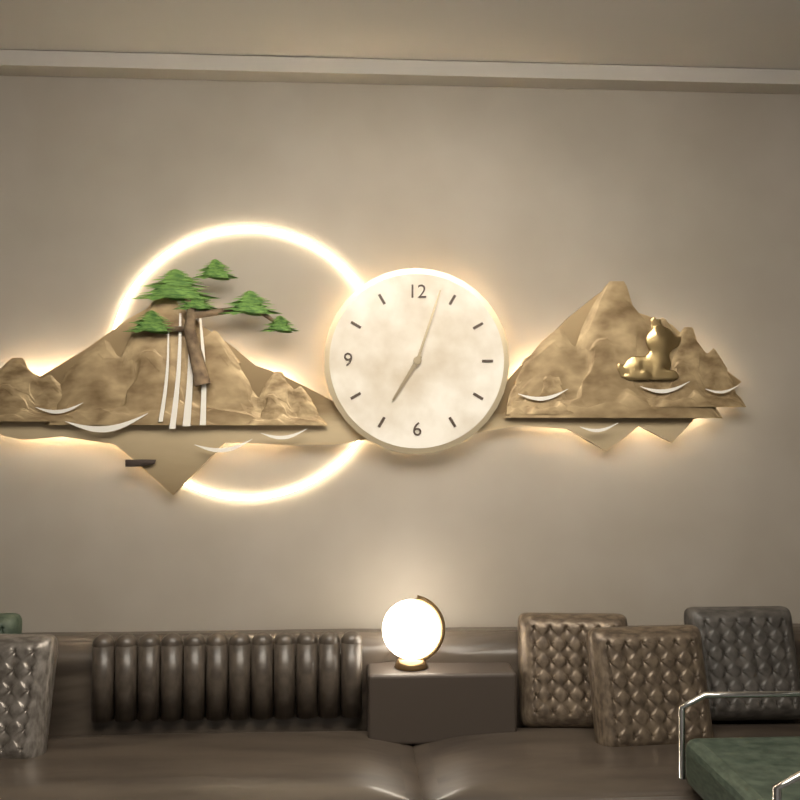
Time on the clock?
7:03
